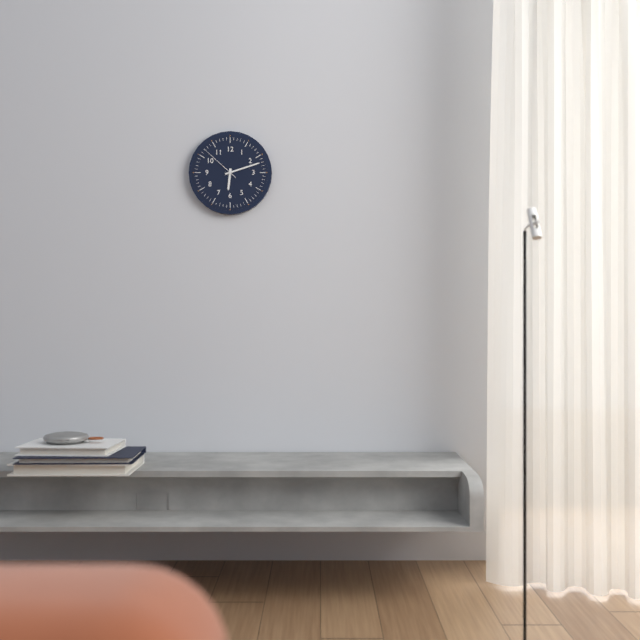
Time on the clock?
6:12
